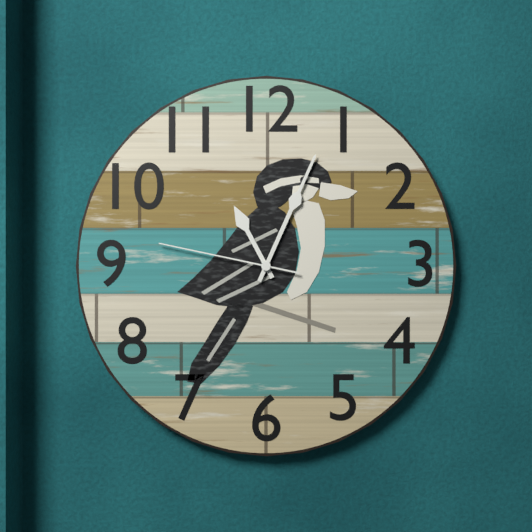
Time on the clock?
11:04:47
